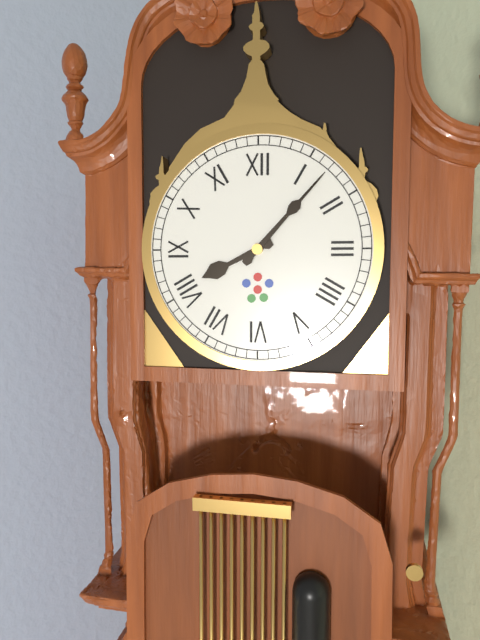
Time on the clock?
8:07
